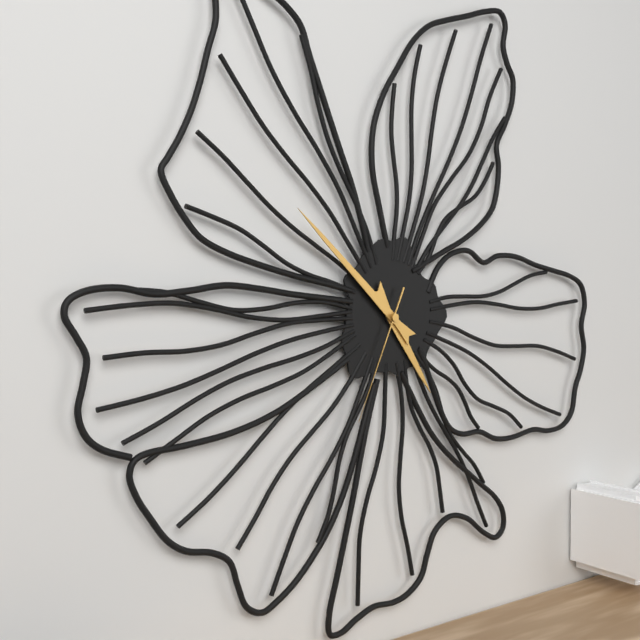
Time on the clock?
4:52:34
